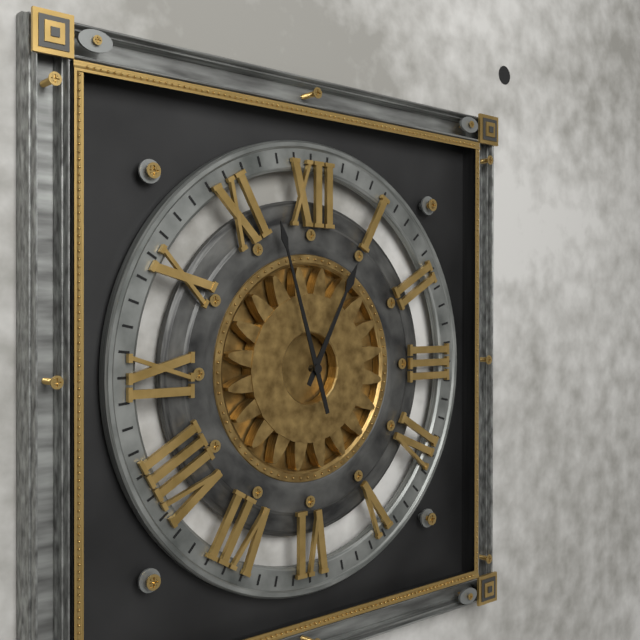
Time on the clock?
12:57
